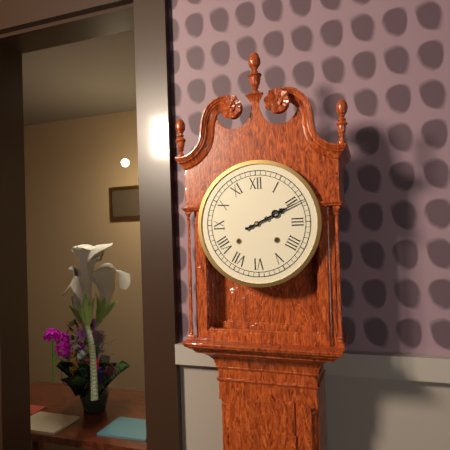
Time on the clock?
2:11
